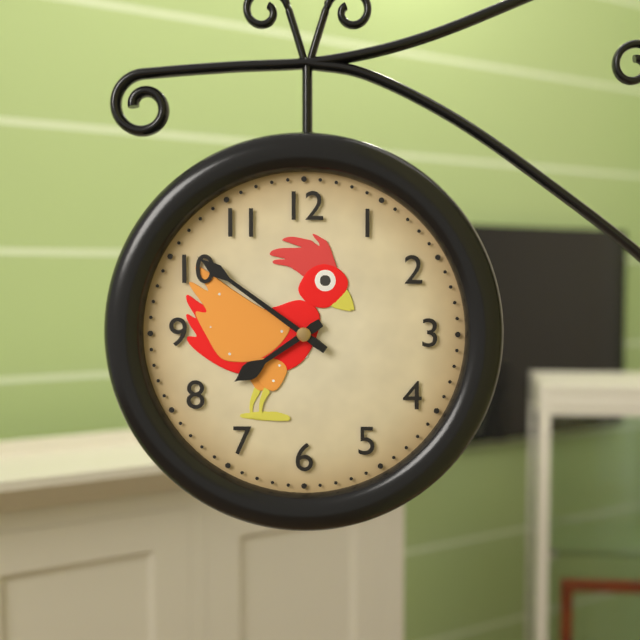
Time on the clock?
7:51
